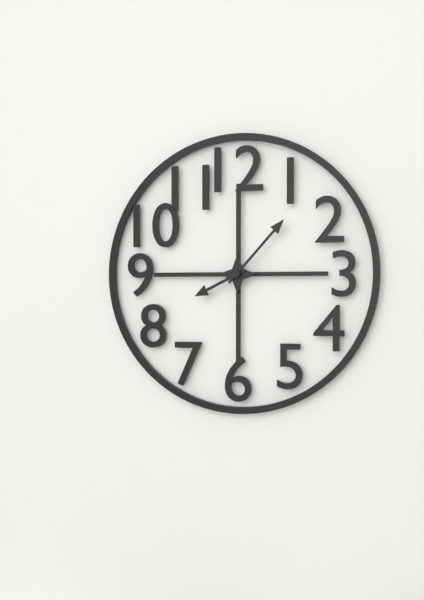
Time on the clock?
8:07
